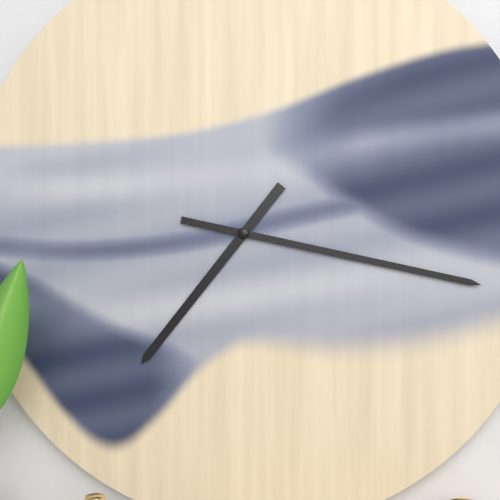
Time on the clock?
7:17
